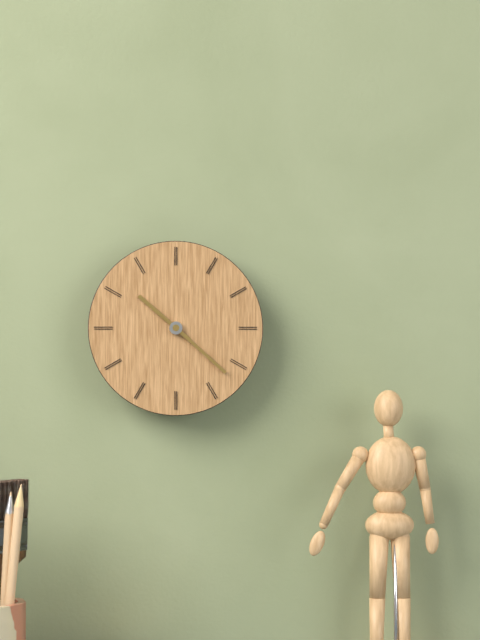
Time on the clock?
10:22
